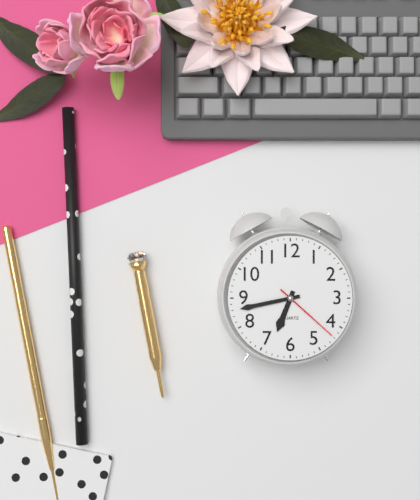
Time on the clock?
6:43:22
